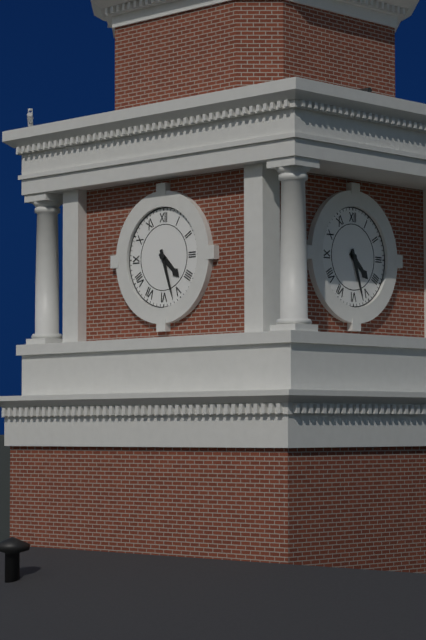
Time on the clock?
4:27
